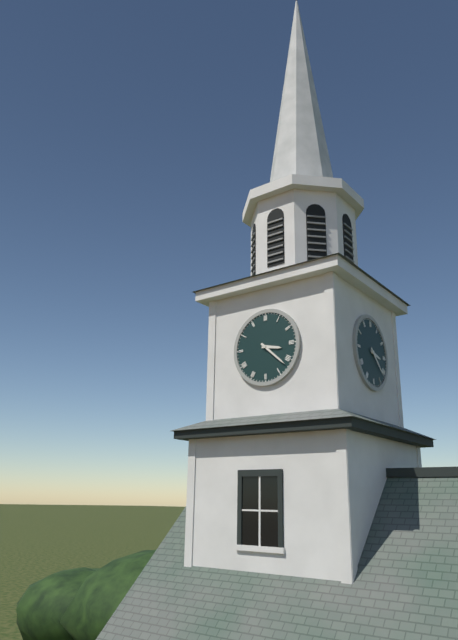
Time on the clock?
3:22
